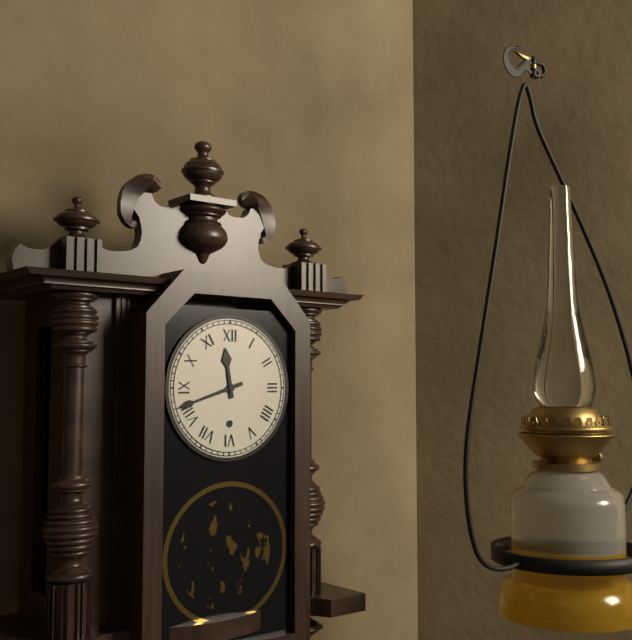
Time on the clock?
11:42
